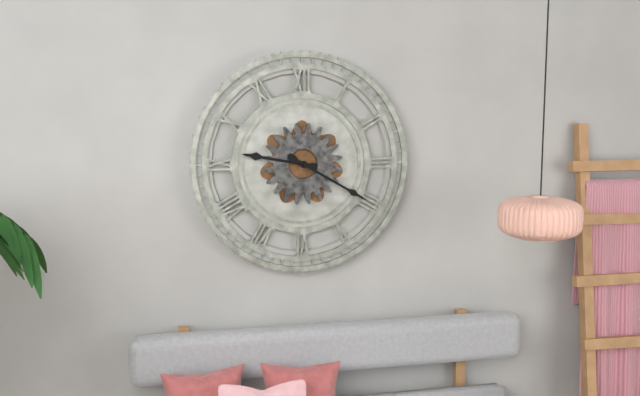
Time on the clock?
9:20
